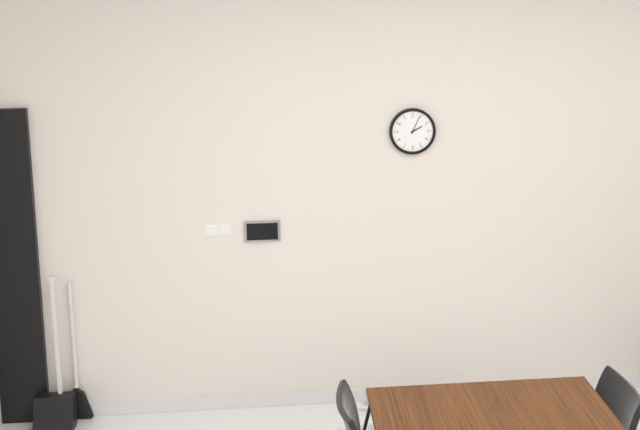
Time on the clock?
2:04
